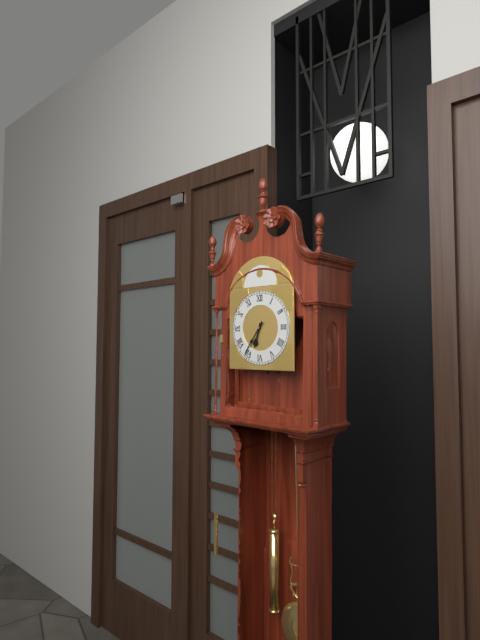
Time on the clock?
6:36
